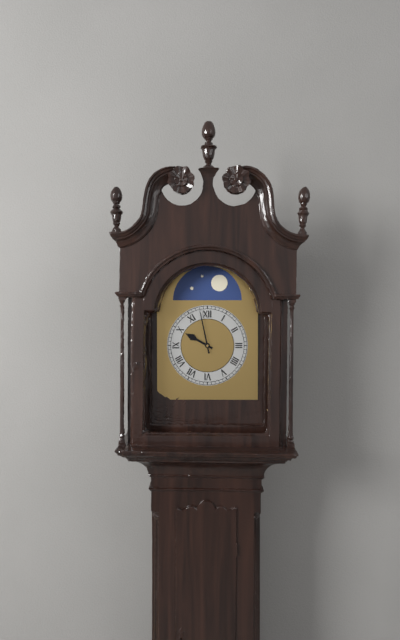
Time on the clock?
9:58
